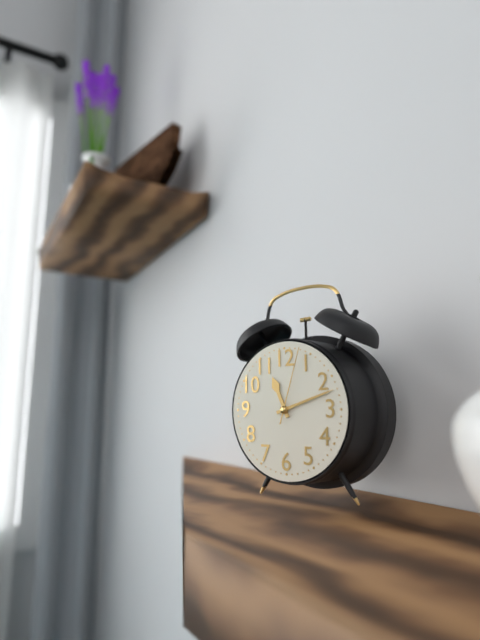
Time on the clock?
11:12:03
